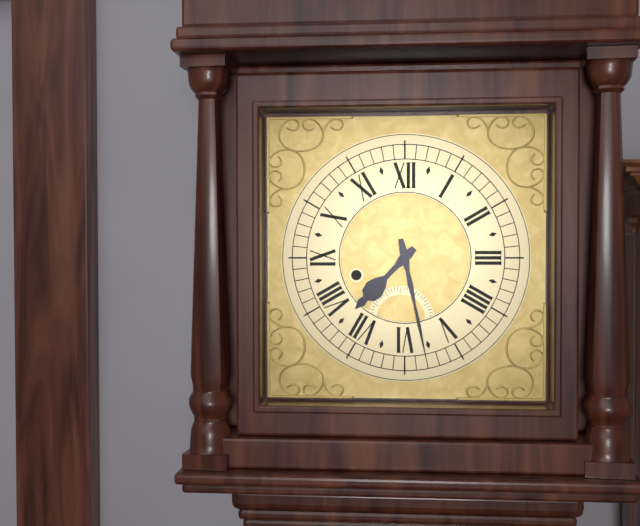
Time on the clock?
7:28
